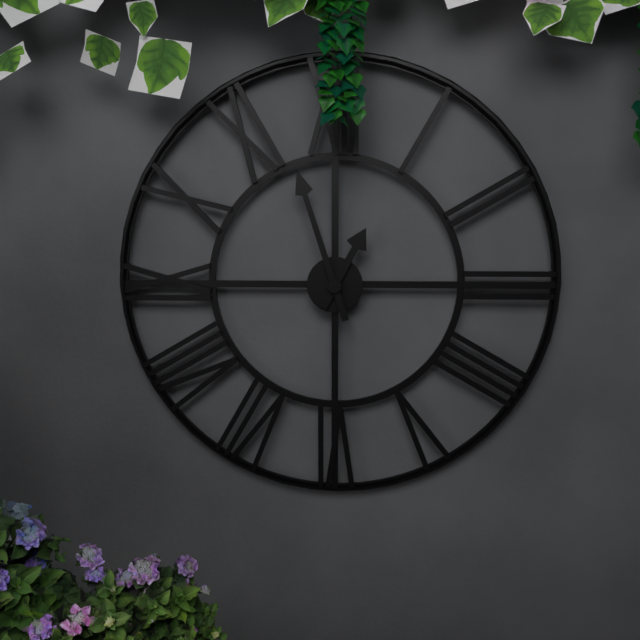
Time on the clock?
12:57
